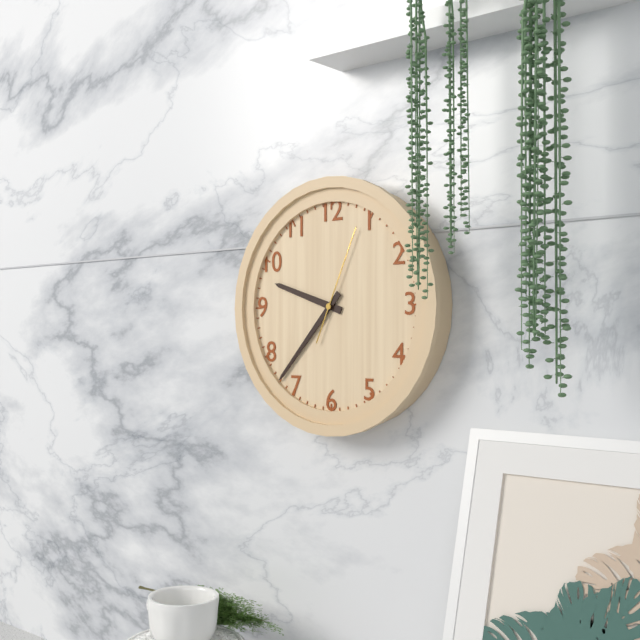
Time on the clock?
9:37:04
